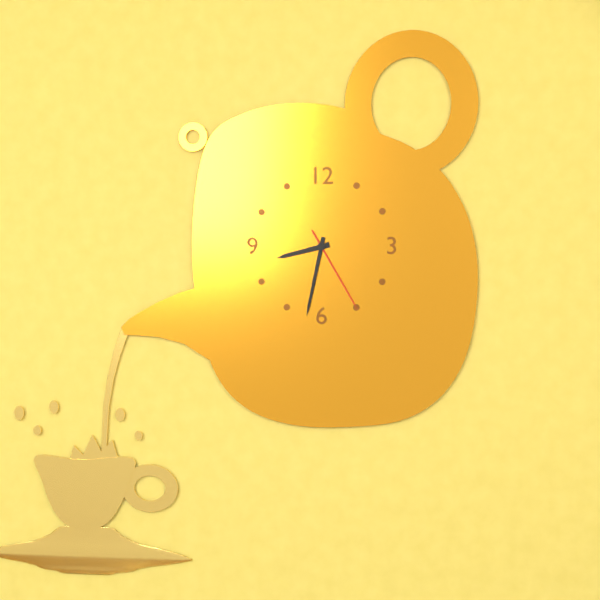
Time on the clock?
8:32:25
